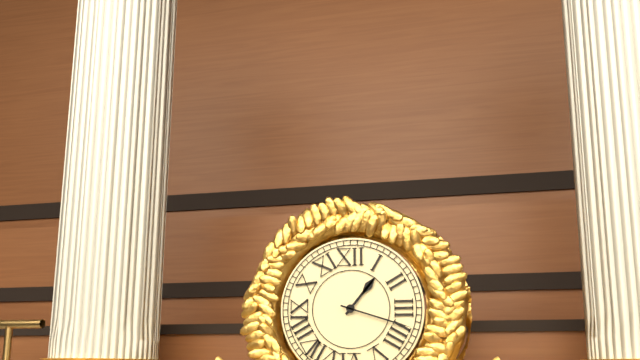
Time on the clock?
1:18
